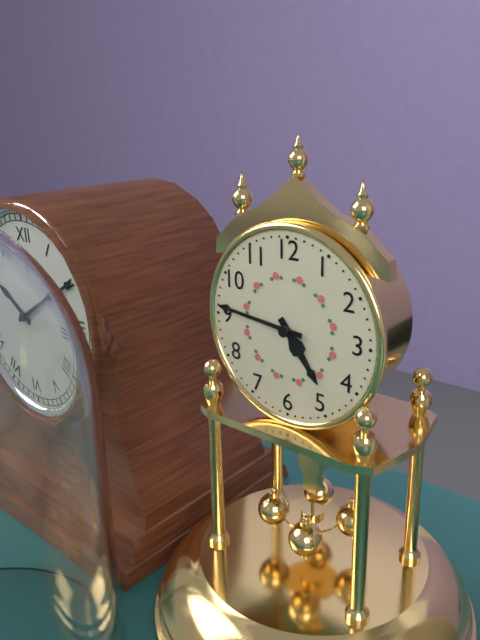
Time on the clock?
4:46
